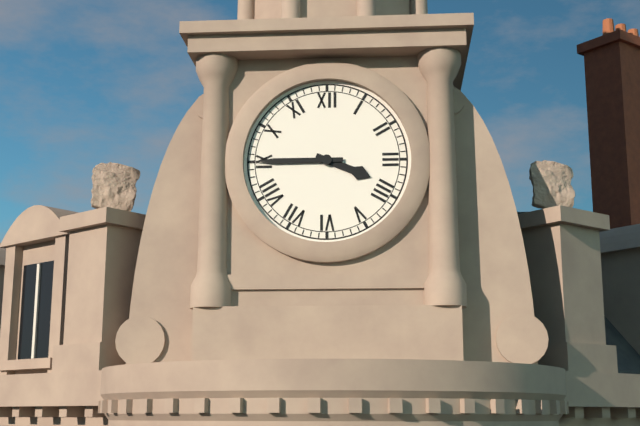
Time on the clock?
3:45
